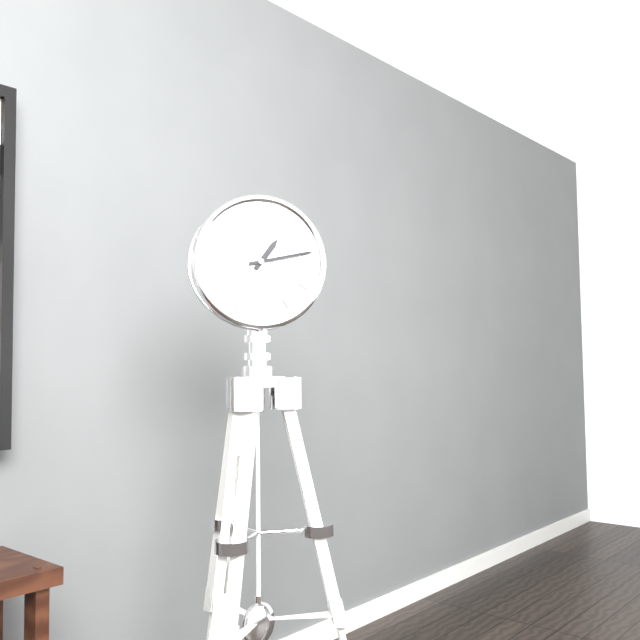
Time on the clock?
1:13
